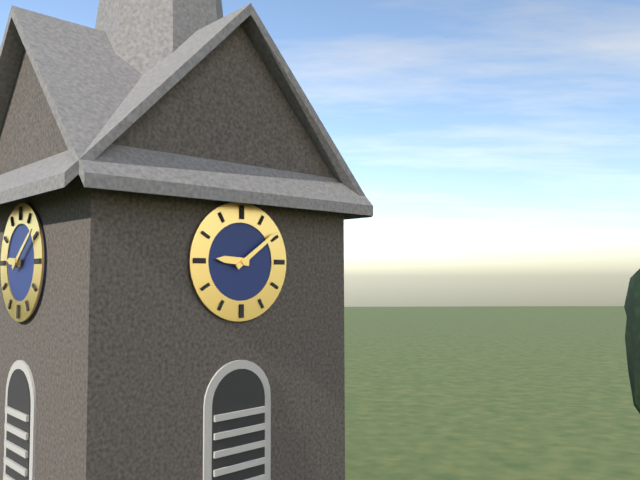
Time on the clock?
9:09
